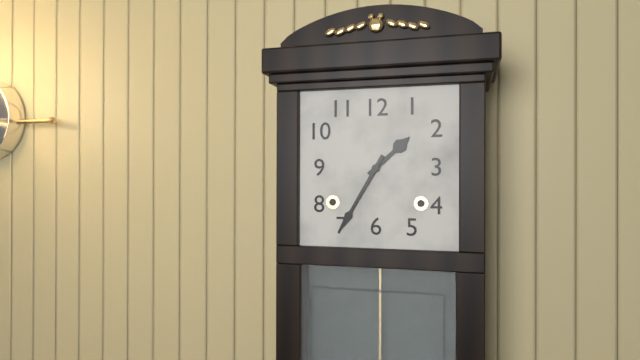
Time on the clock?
1:35
